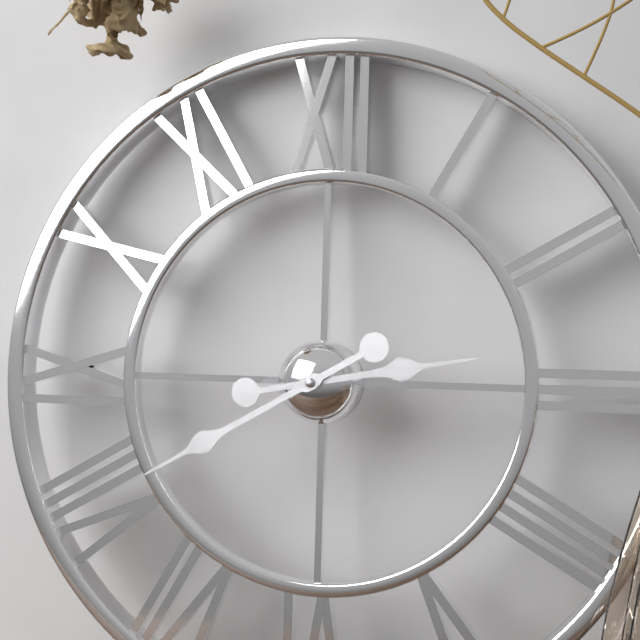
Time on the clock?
2:40
